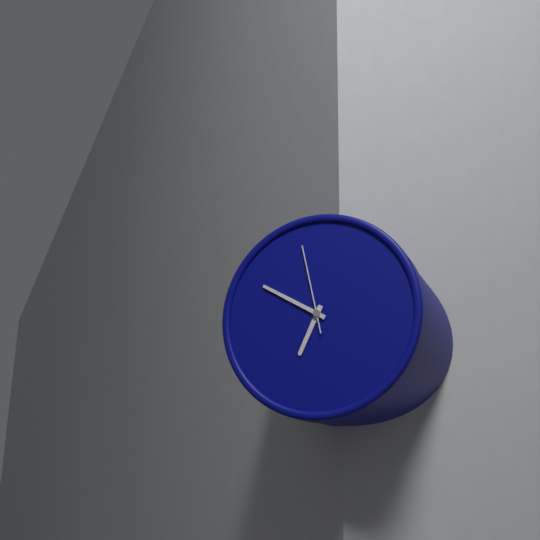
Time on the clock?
6:50:58
